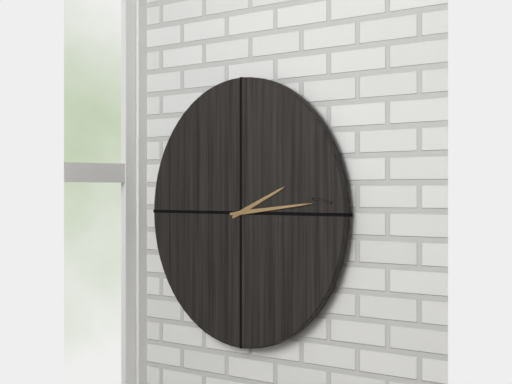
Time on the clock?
2:14
